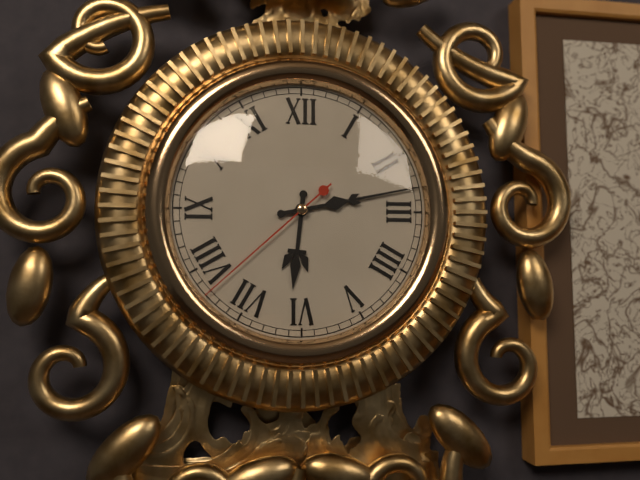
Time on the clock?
6:13:38
